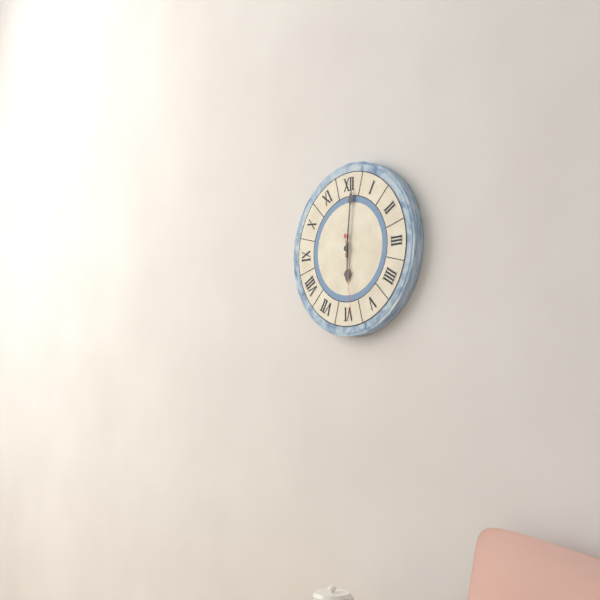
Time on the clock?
6:01:29
